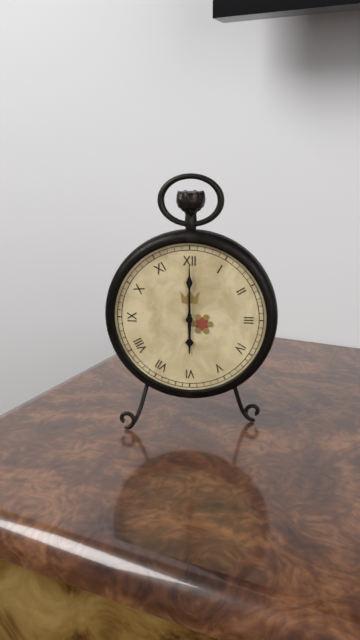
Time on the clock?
6:00
